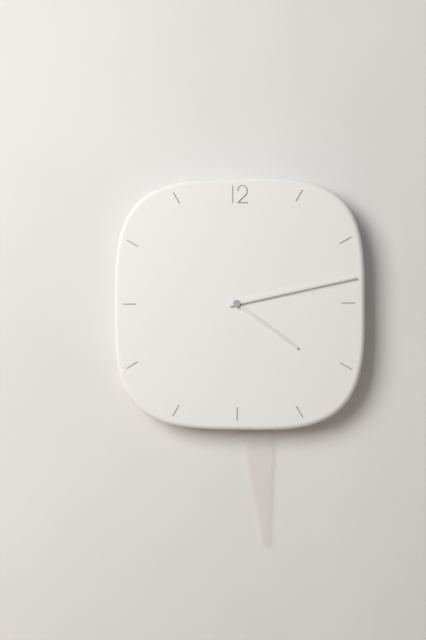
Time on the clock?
4:13
